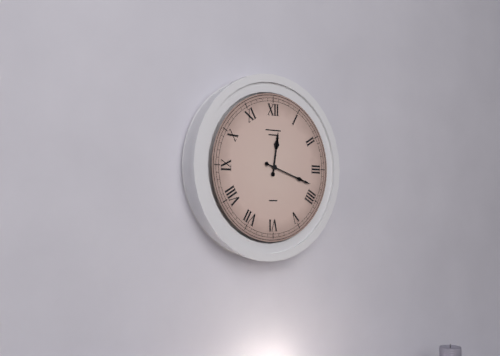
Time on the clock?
12:18
